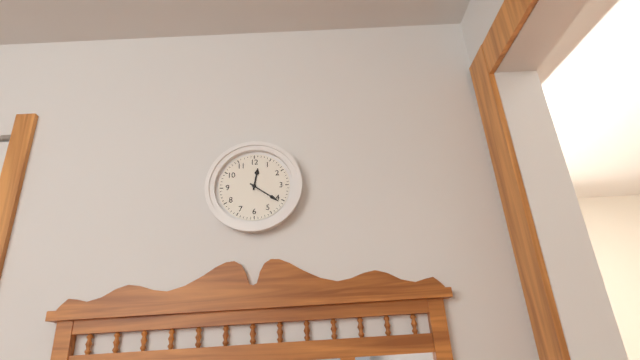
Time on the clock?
12:21
